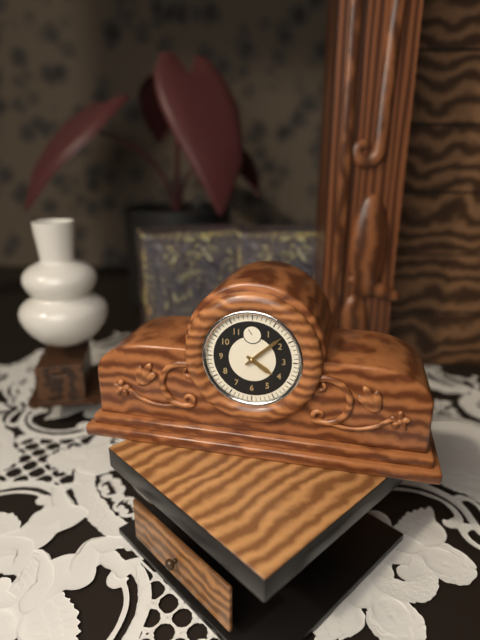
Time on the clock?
4:08
